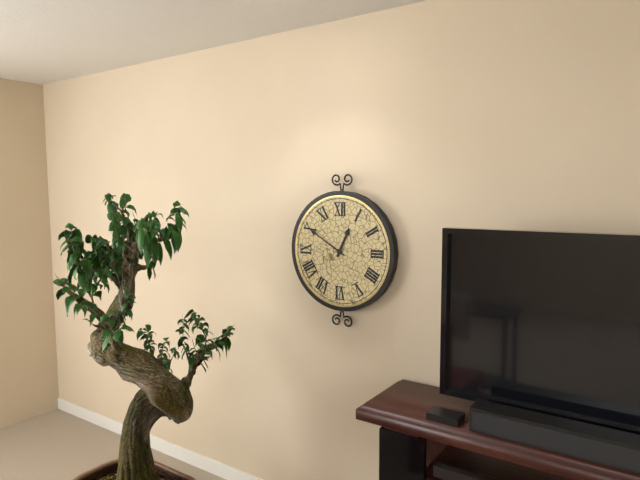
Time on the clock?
12:50
